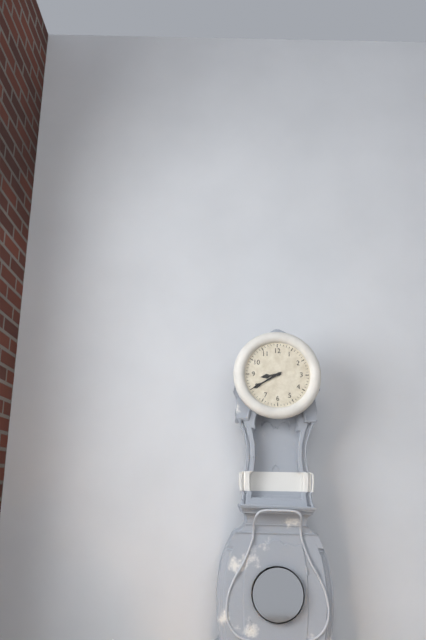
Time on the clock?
8:40
